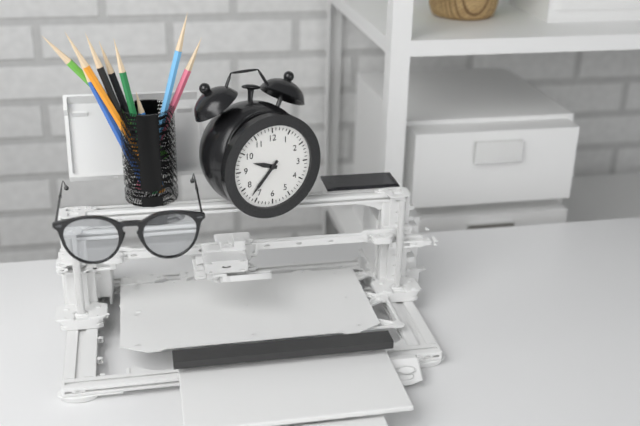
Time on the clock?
9:37
